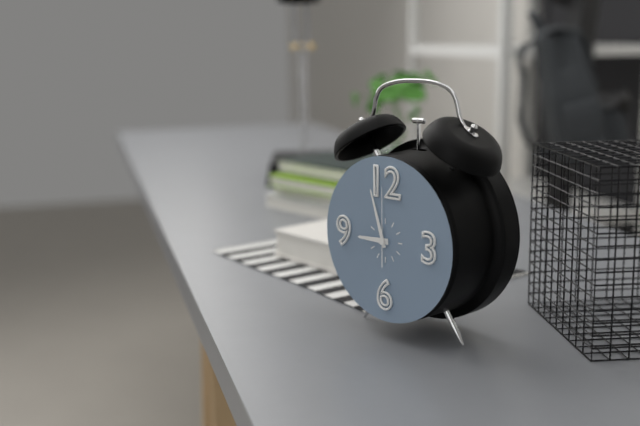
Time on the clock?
8:57:00
